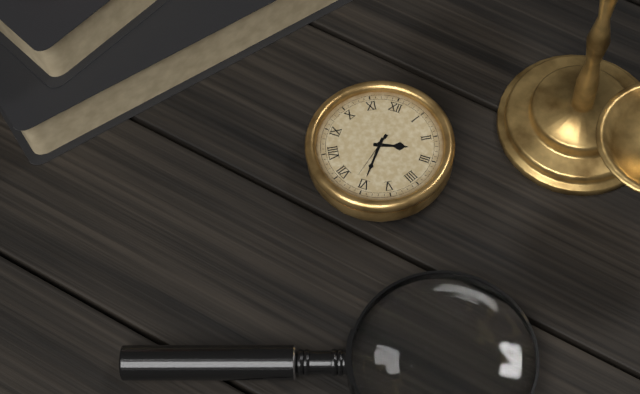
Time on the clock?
2:30
